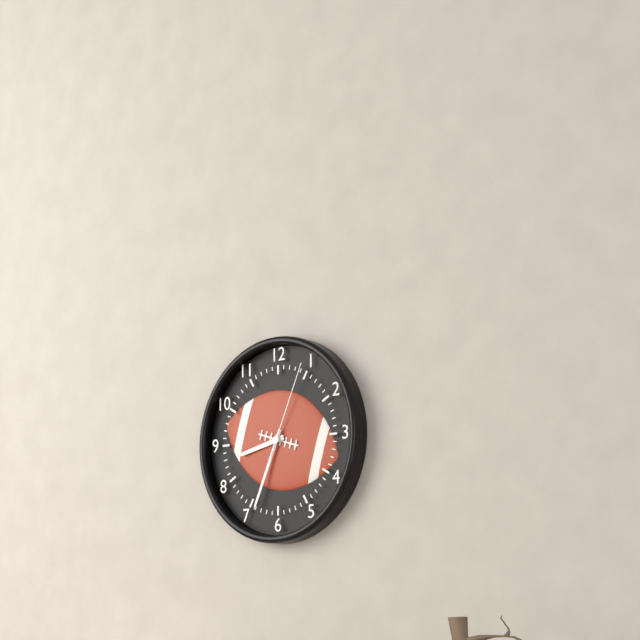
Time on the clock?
8:34:04
